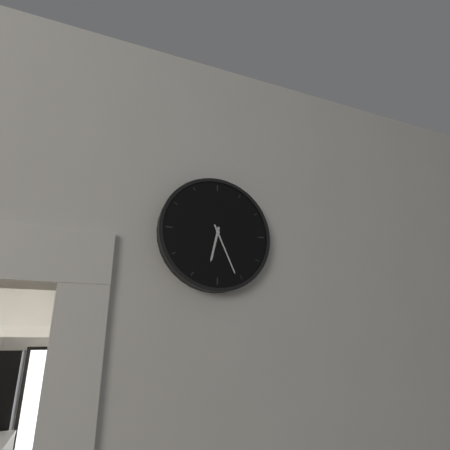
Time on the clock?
6:26
